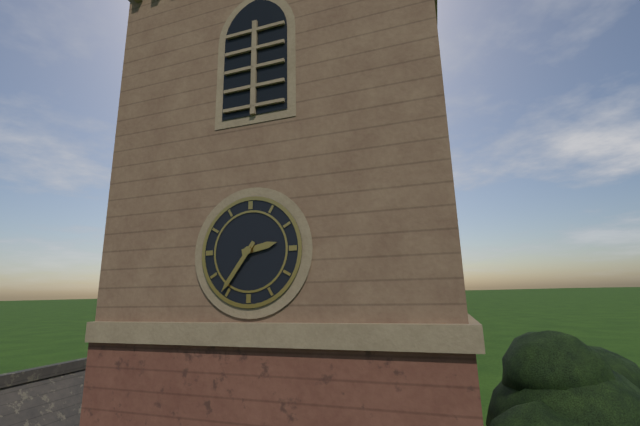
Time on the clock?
2:36
